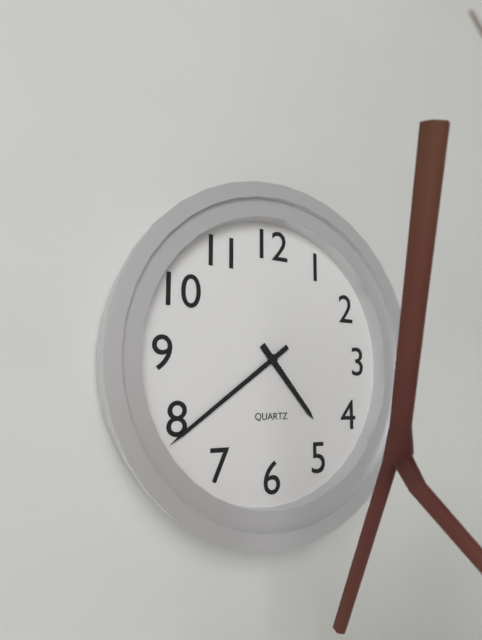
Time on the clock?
4:39
